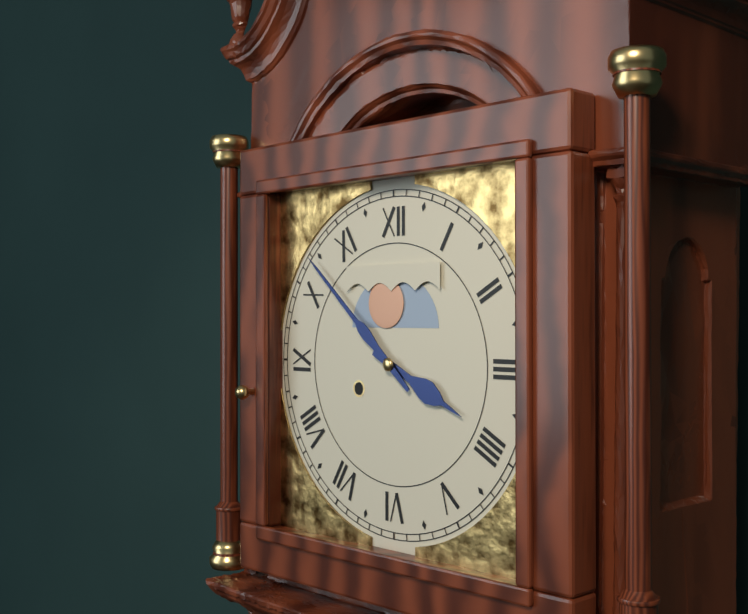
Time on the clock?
3:52
